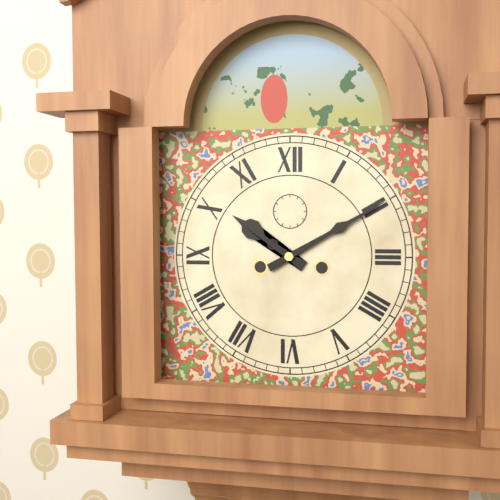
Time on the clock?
10:10
